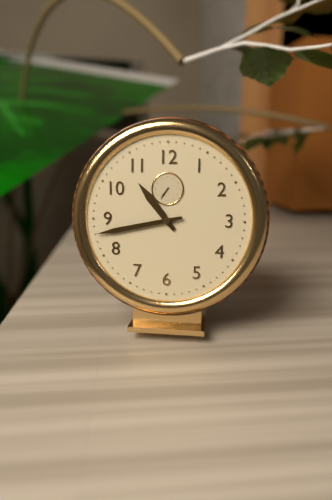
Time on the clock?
10:43
